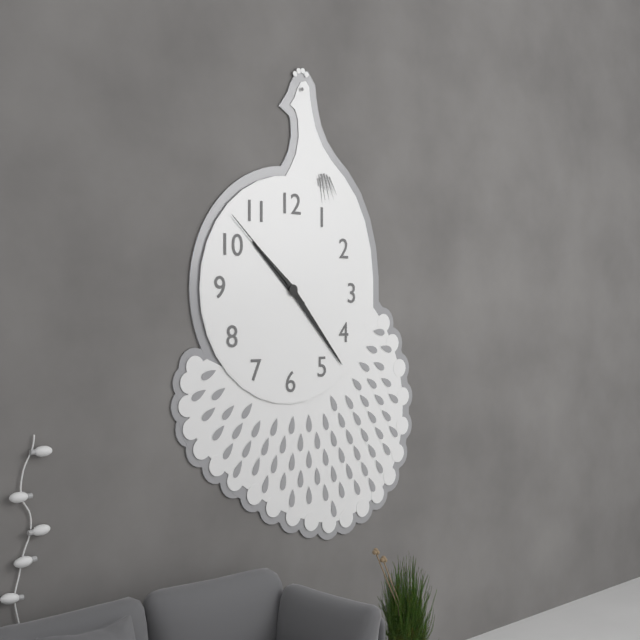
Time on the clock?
10:23:52
